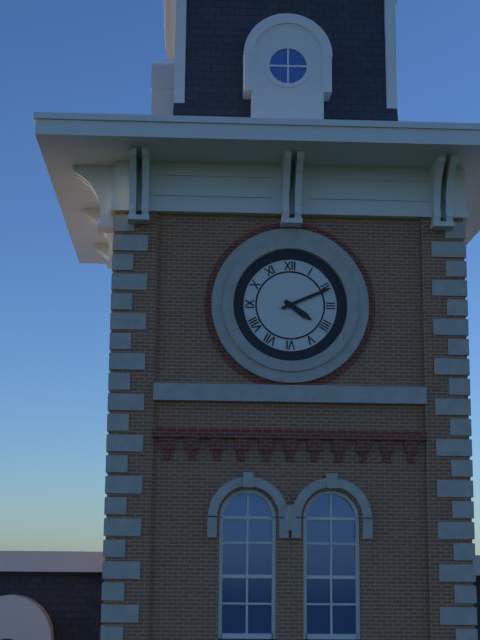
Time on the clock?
4:11
